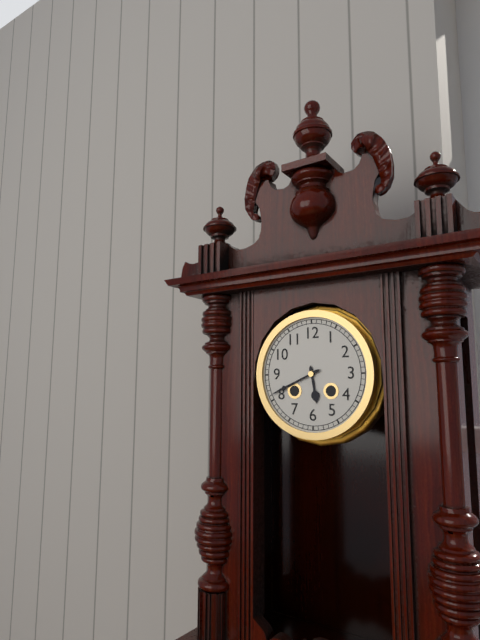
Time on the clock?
5:41
